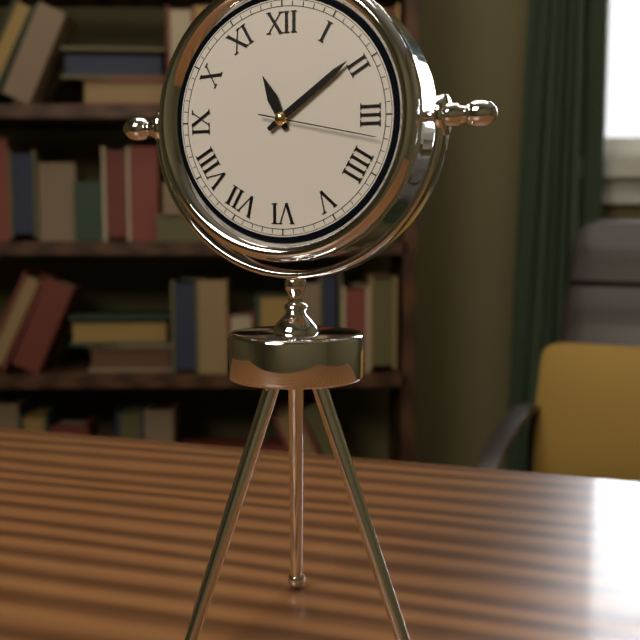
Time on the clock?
11:09:17
